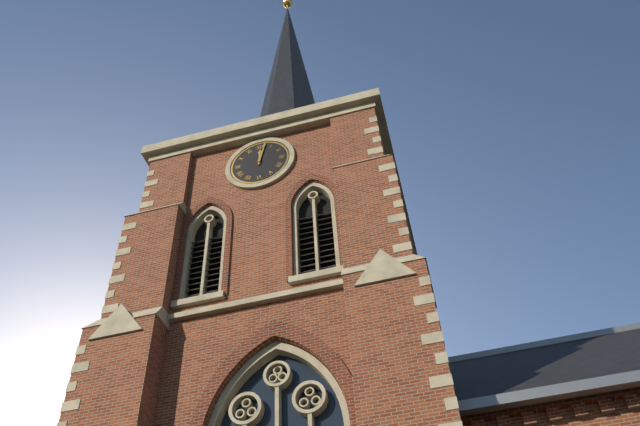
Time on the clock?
12:02
